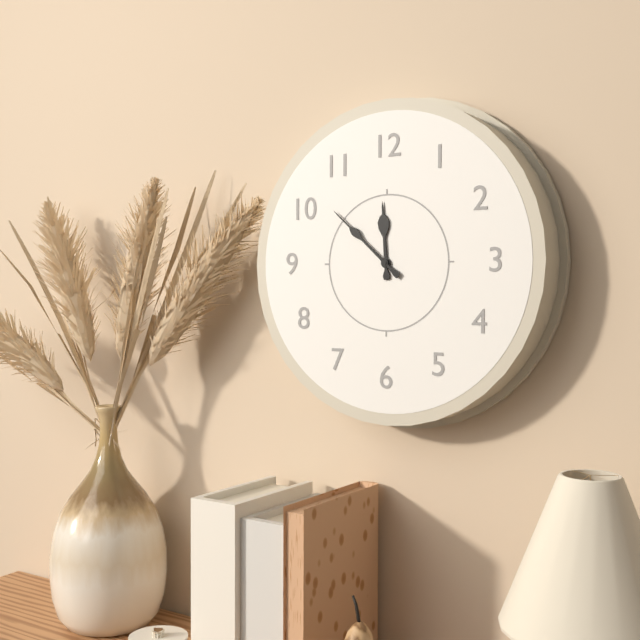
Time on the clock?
11:52
